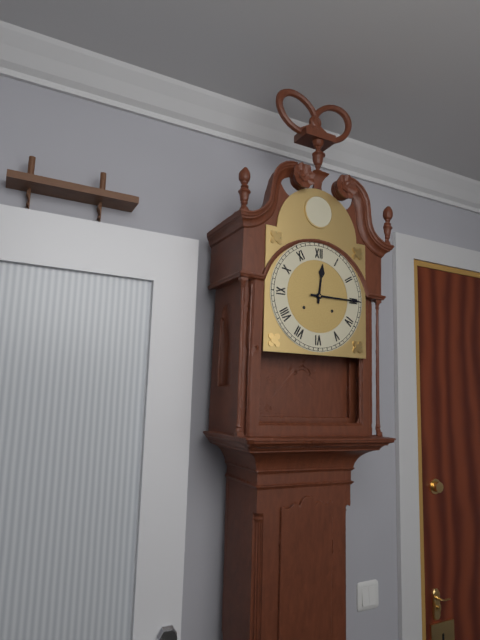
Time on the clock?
12:15
